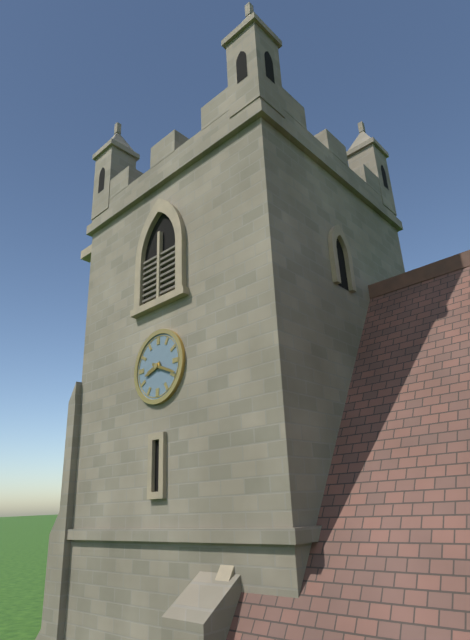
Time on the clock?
8:19
